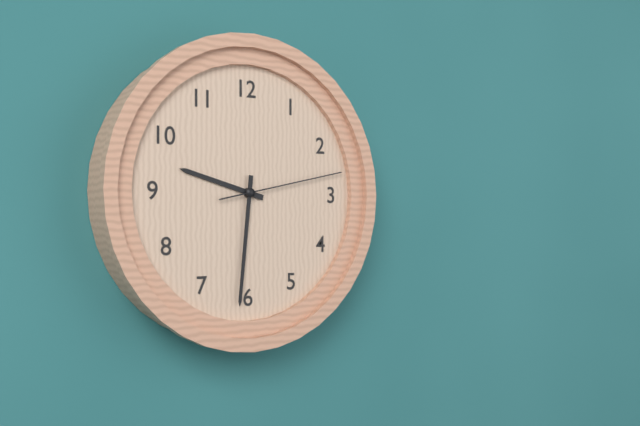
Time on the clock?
9:31:13
